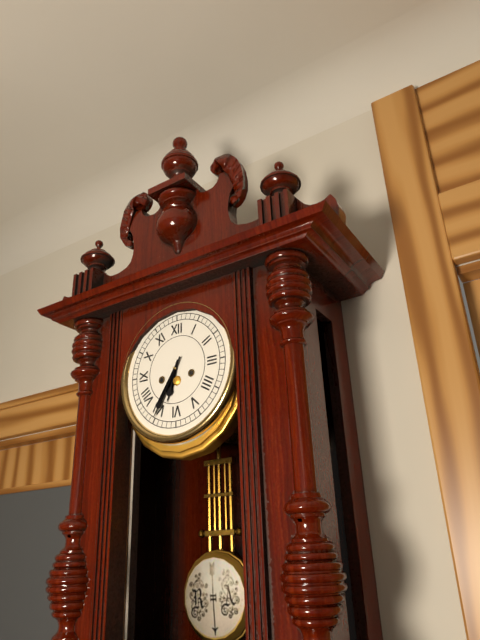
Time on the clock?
6:35
